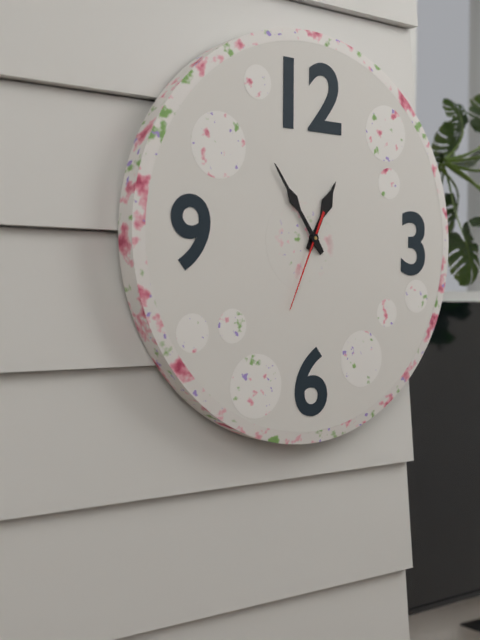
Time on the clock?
12:54:34
